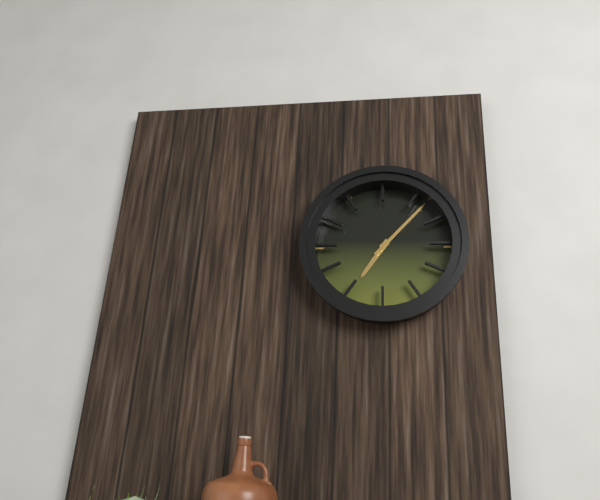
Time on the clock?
7:07
